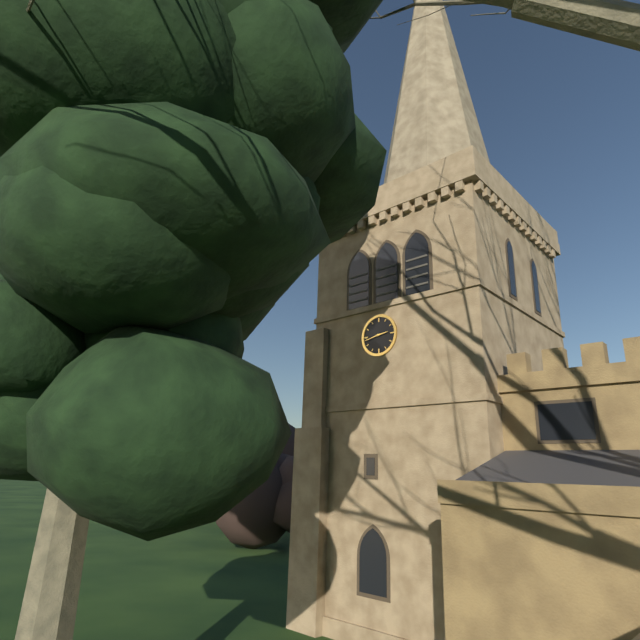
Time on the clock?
2:43
